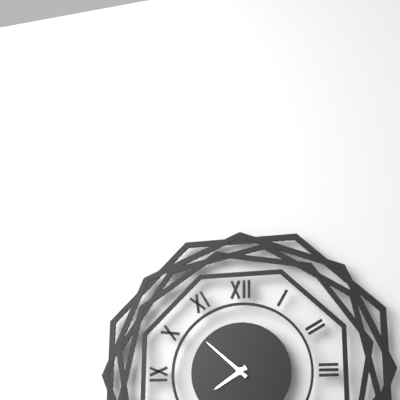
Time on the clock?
7:52
